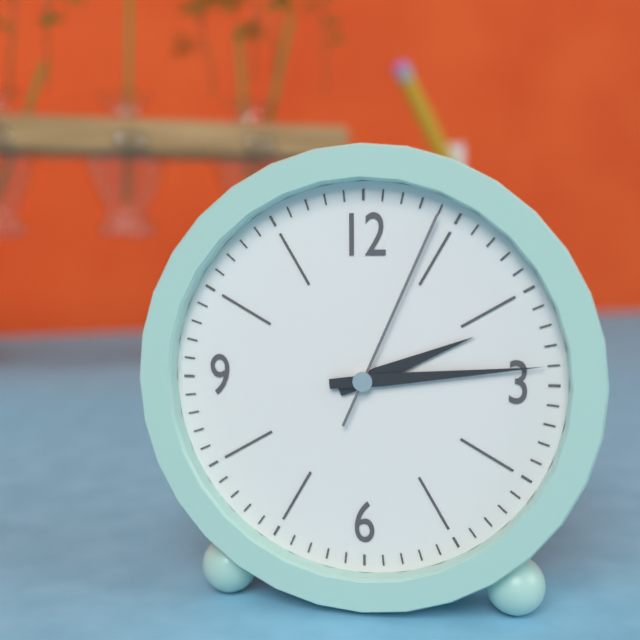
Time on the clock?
2:14:04
